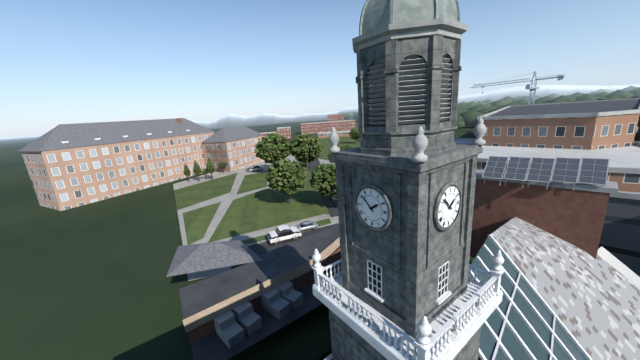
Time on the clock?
1:52
